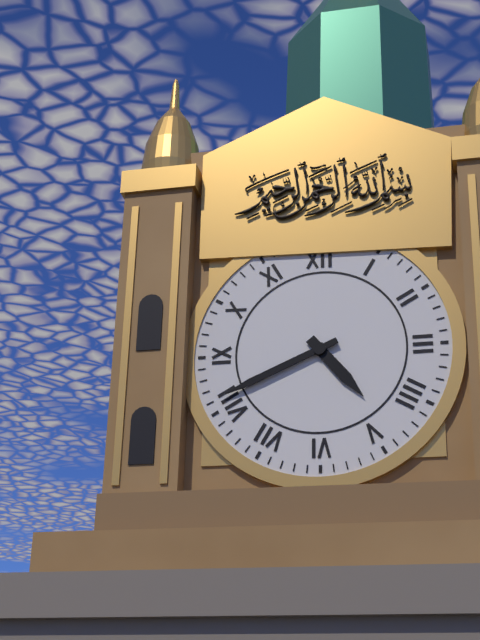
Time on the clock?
4:41
